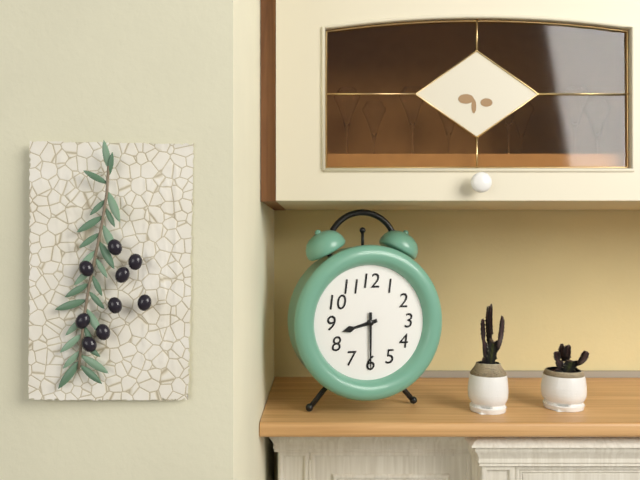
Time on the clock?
8:30
